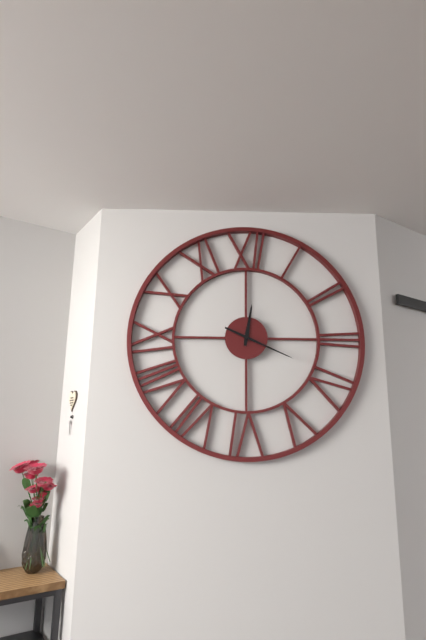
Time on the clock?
12:19
